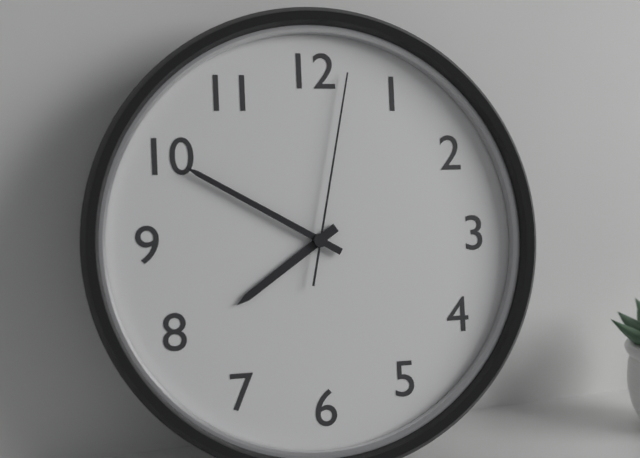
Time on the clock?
7:50:02
